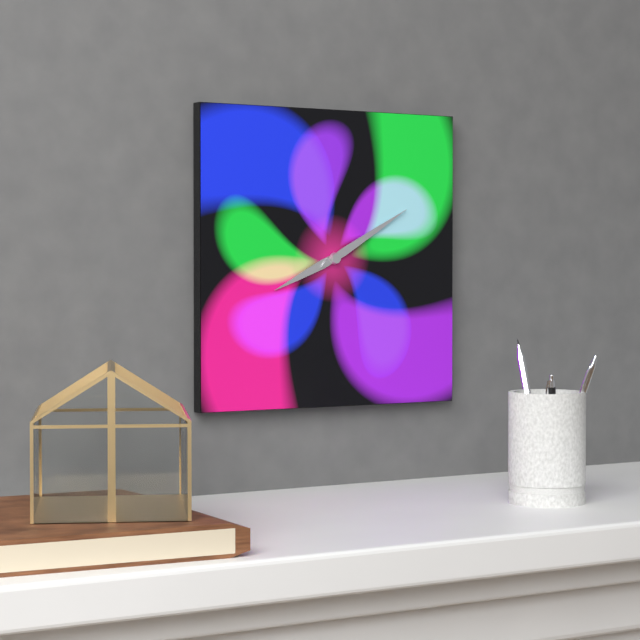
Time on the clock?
8:10
